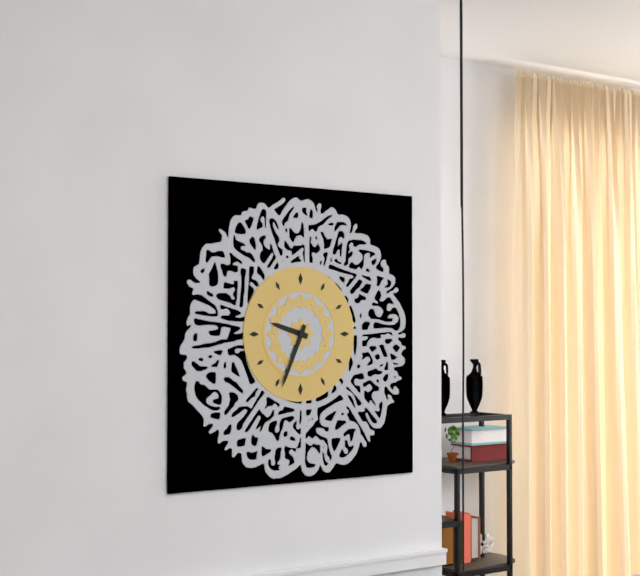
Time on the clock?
9:34
